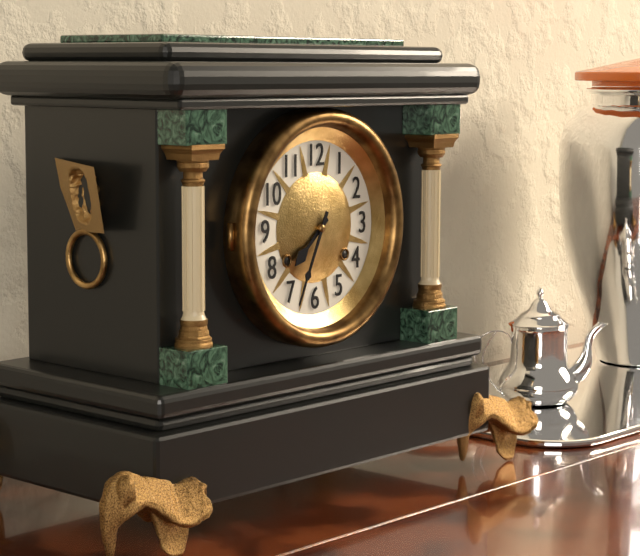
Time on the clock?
7:34
